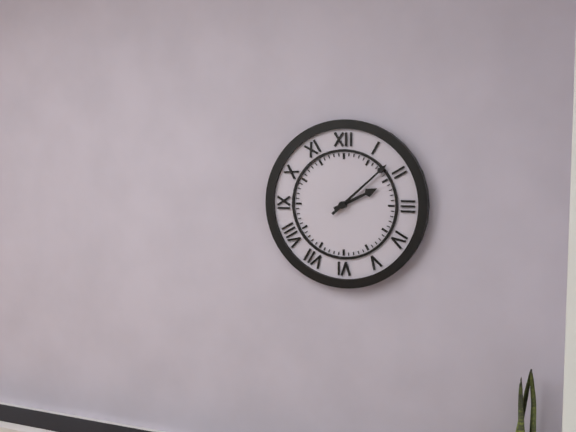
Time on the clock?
2:08
